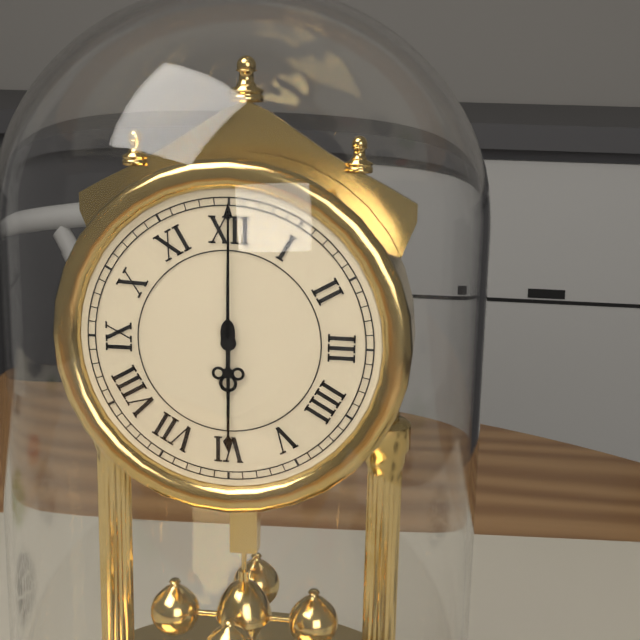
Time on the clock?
6:00
